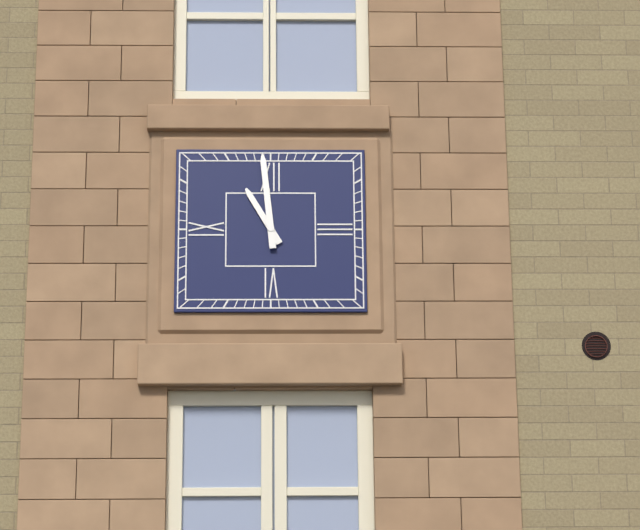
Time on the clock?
10:59
